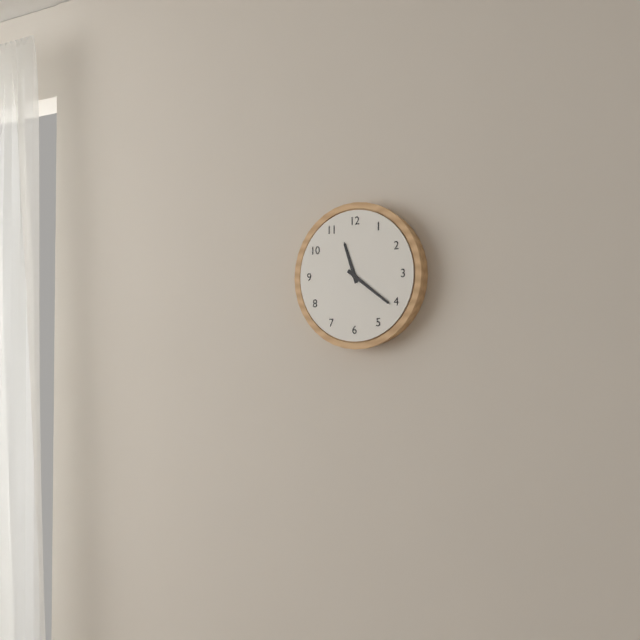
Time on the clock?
11:21
